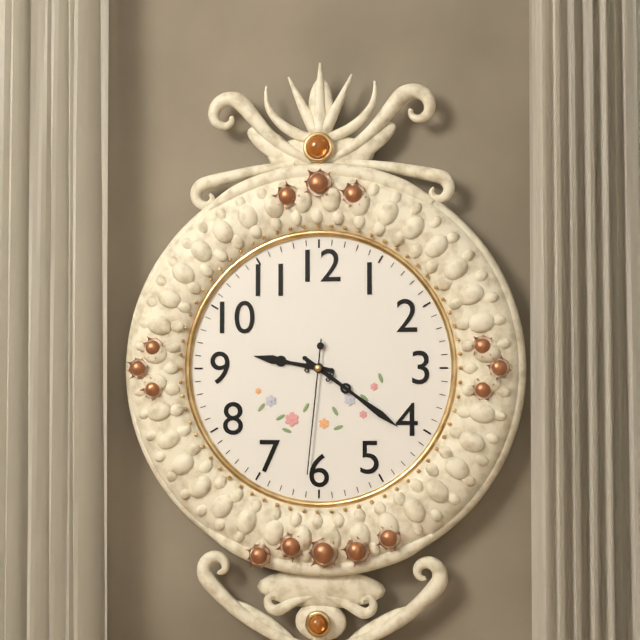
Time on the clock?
9:21:31
